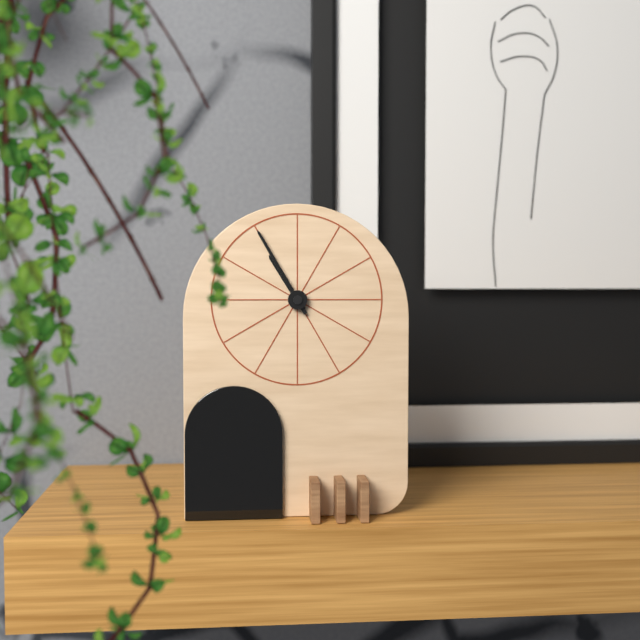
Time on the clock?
10:55
